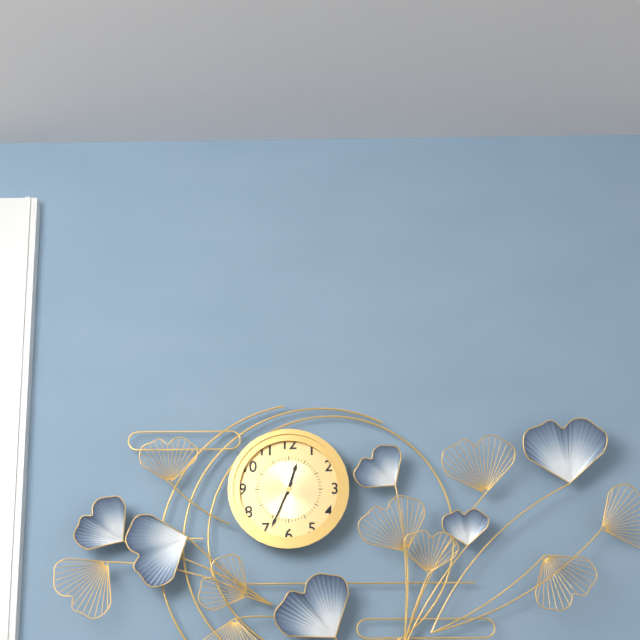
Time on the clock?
12:34
